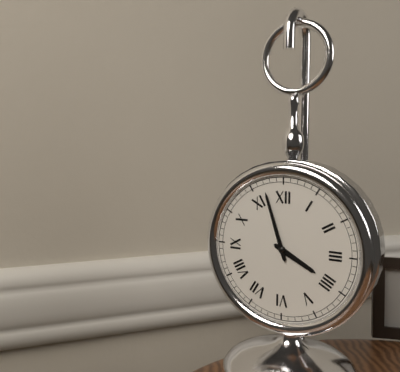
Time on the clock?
3:57
